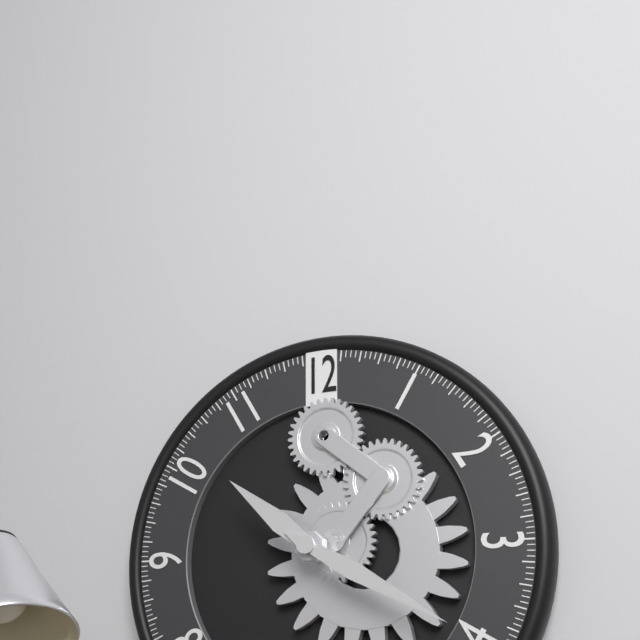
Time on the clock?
10:20
